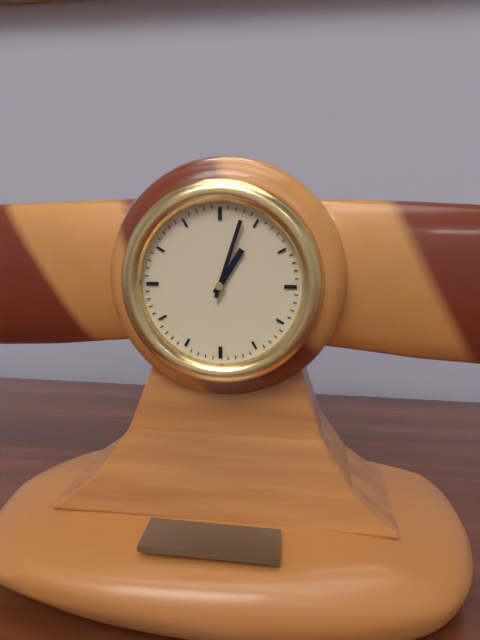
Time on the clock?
1:03
